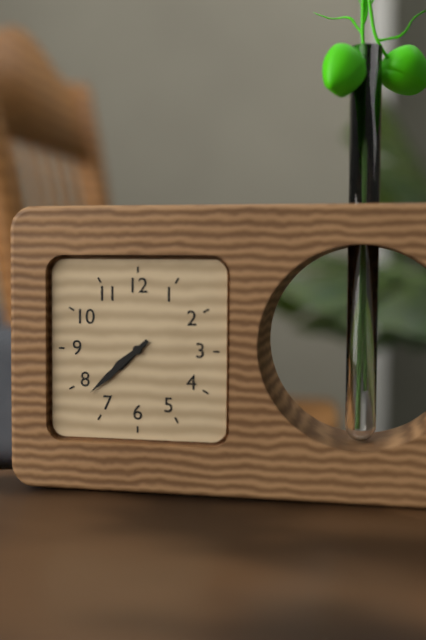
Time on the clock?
7:38
